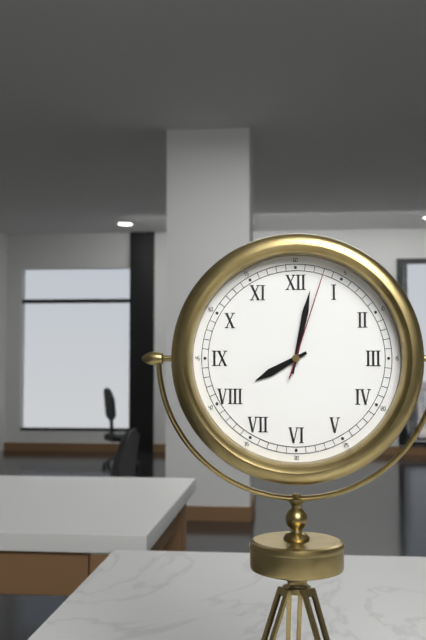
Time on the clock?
8:02:03
